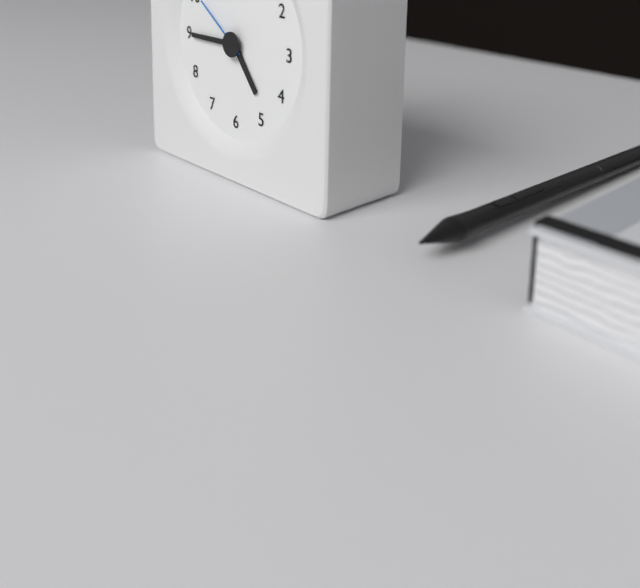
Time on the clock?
4:45:51
